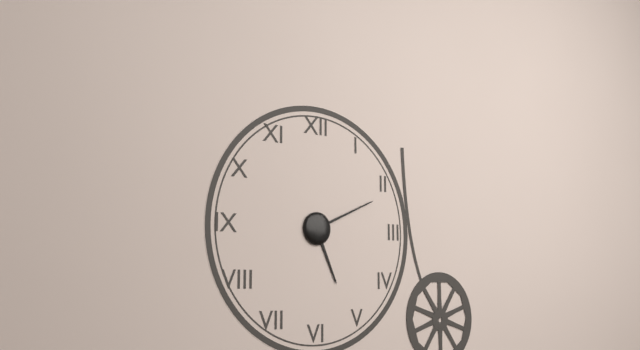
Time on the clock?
5:11
